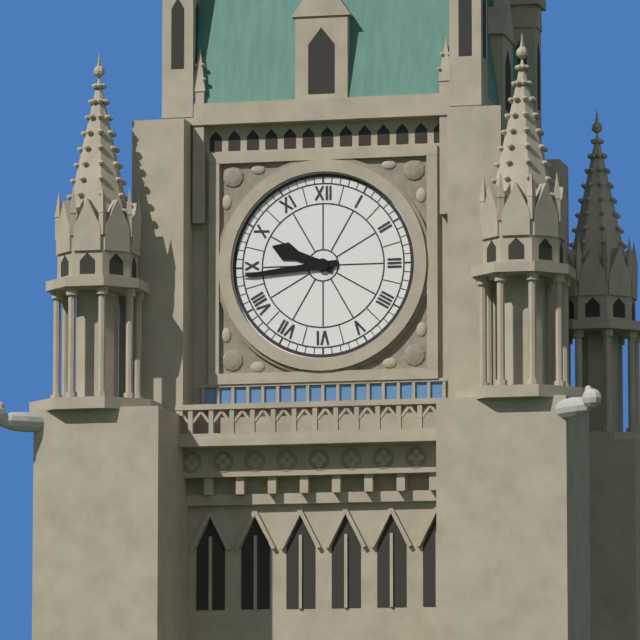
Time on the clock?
9:44
